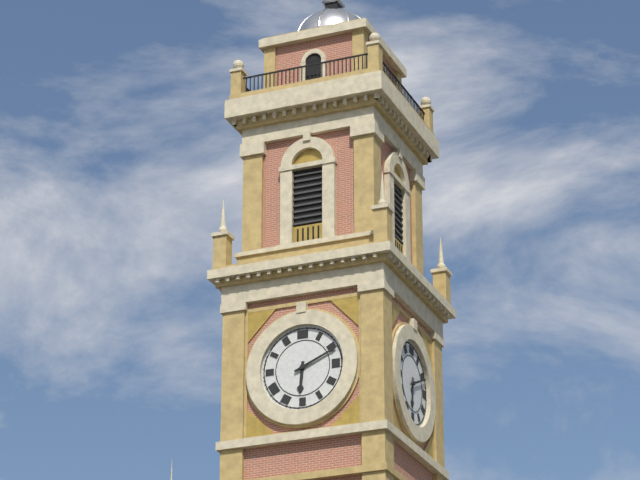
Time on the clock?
6:11
